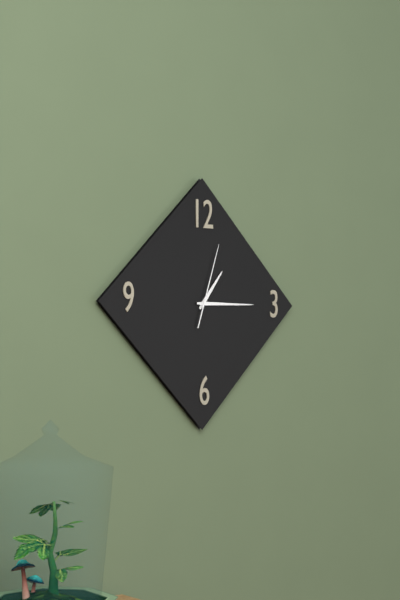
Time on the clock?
1:15:03
